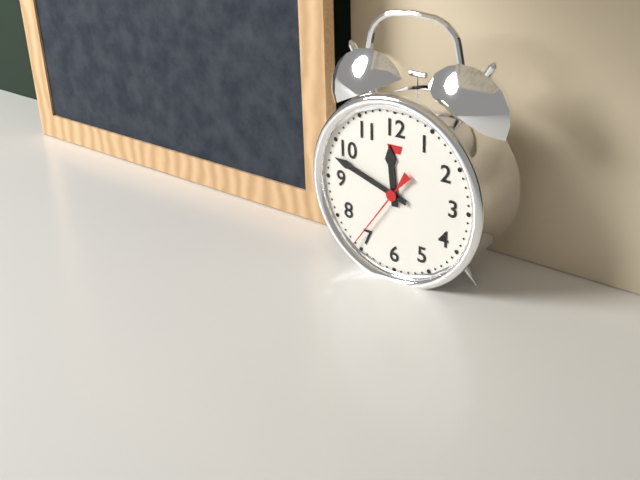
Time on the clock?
11:48:36
